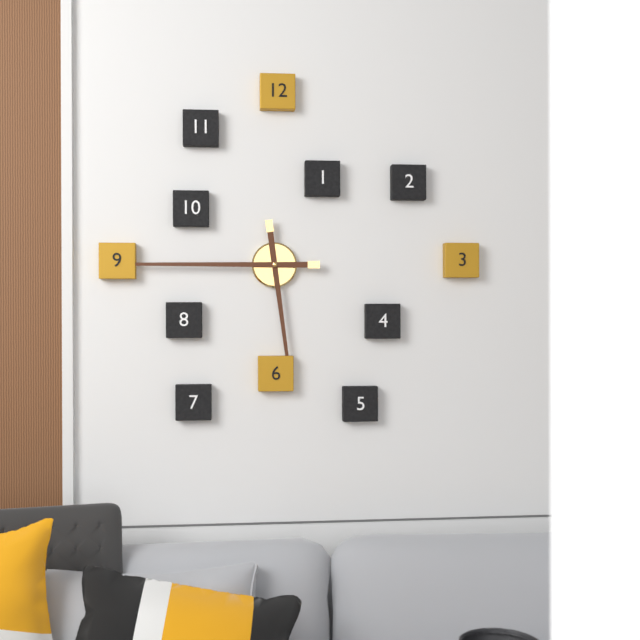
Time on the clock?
5:45
